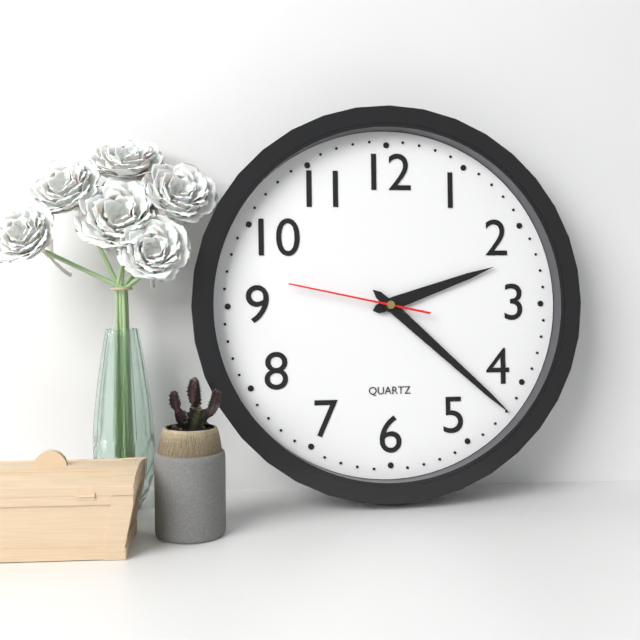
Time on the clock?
2:22:47
